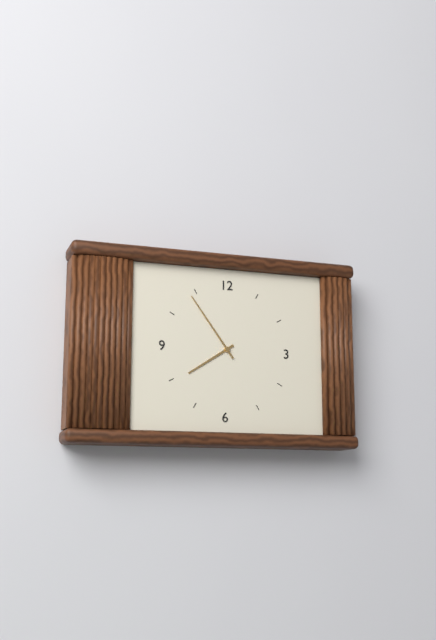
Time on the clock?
7:54
